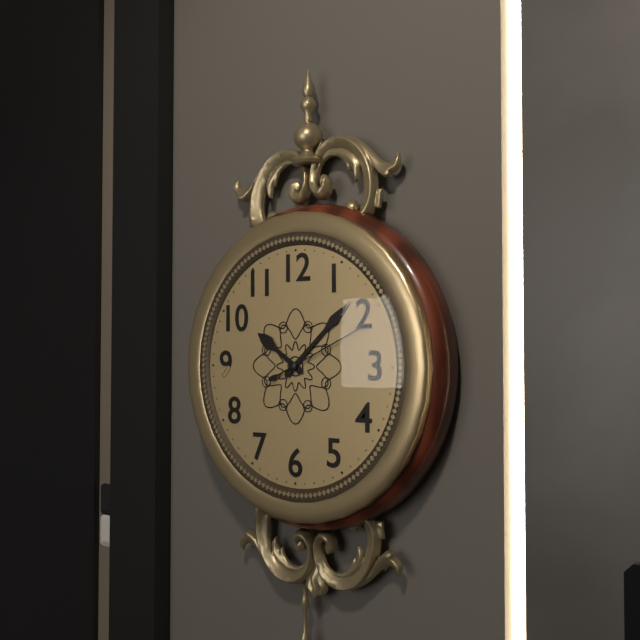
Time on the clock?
10:08:11
